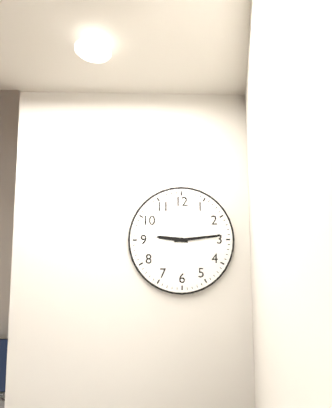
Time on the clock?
9:14
